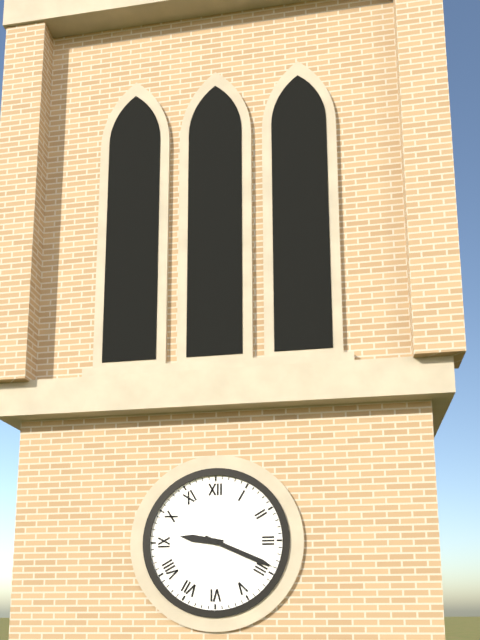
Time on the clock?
9:19
